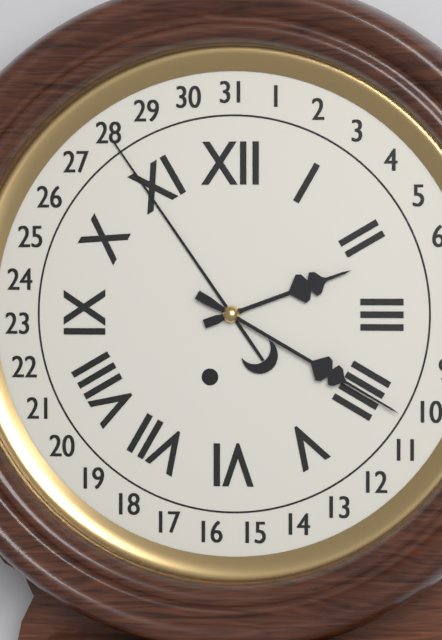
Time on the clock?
2:20
